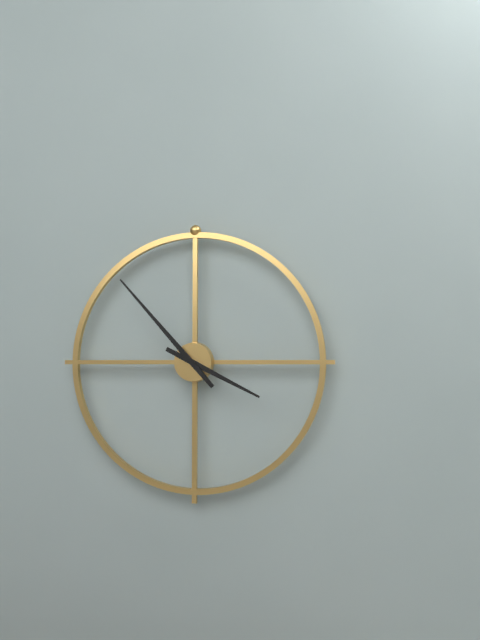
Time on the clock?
3:53
